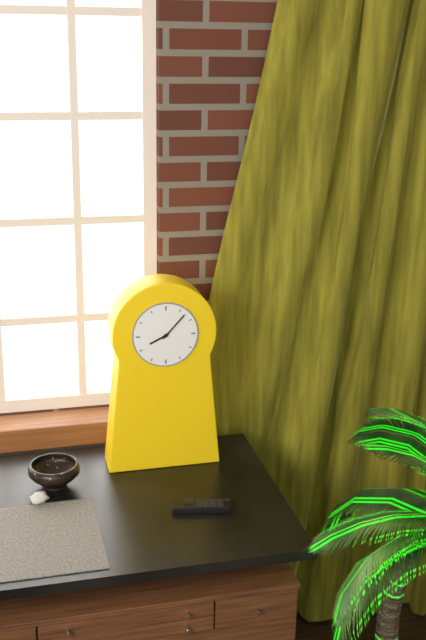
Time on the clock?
8:07
